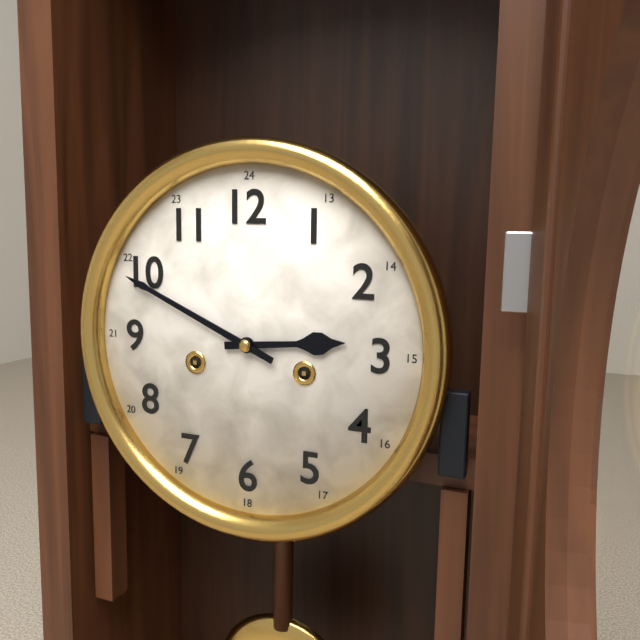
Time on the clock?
2:49
